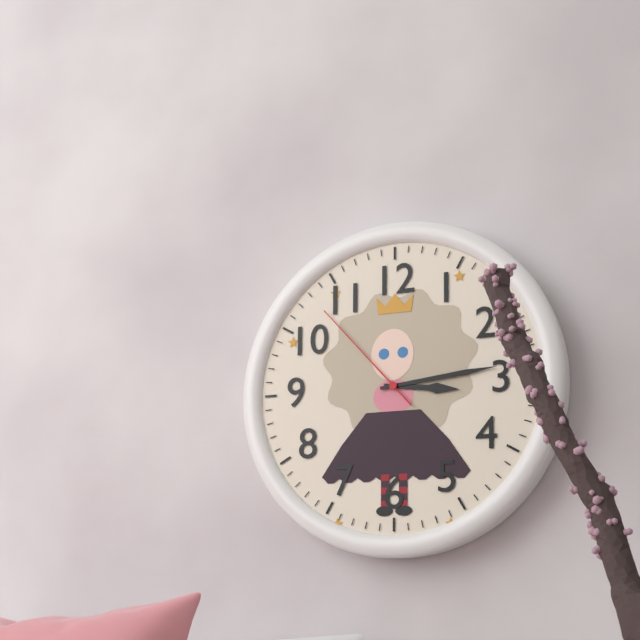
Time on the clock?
3:14:53
